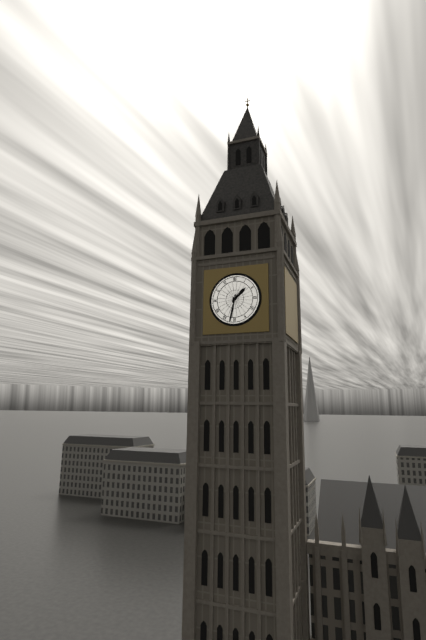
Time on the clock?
1:32
